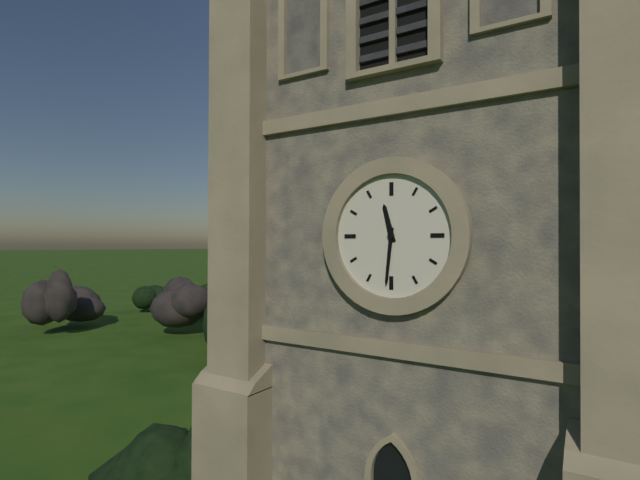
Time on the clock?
11:31
